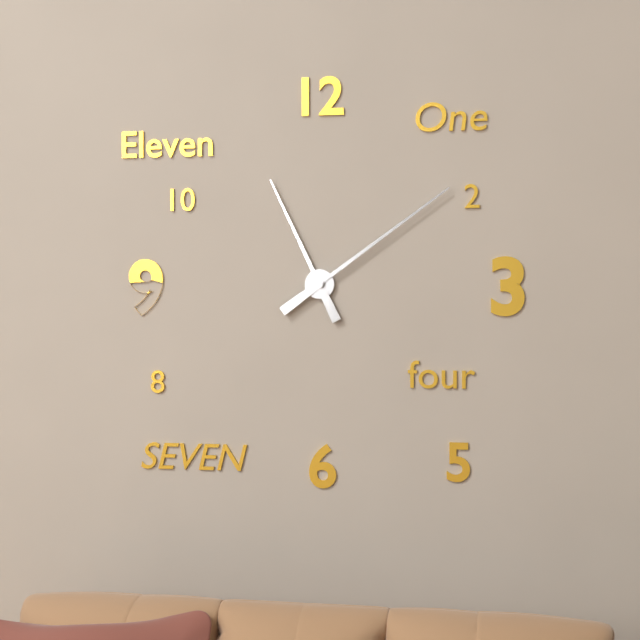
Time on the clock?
11:09
